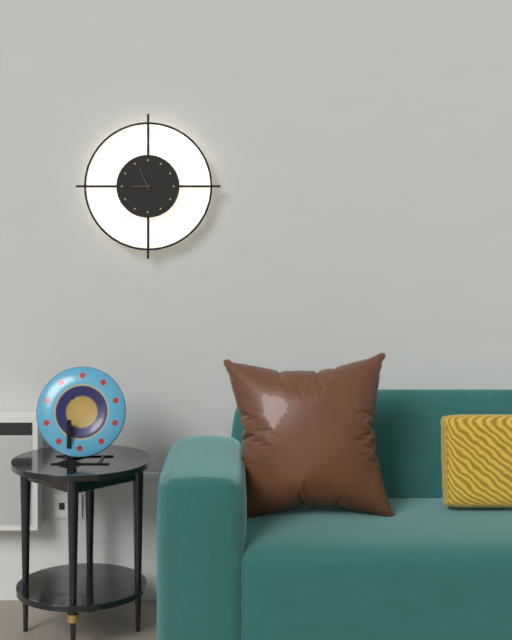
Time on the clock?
8:56
